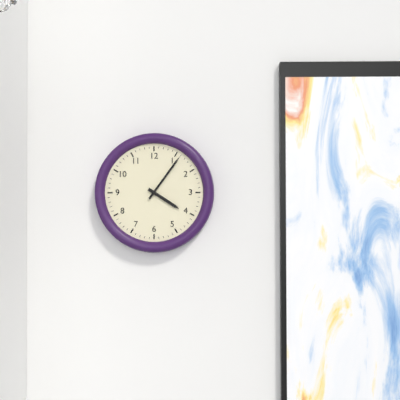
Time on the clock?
4:06
